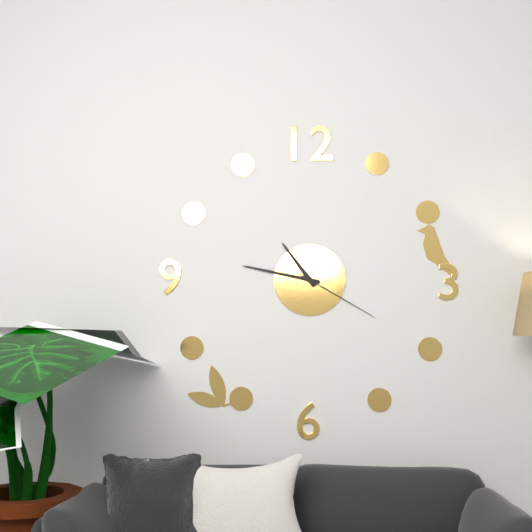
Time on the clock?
10:47:20
